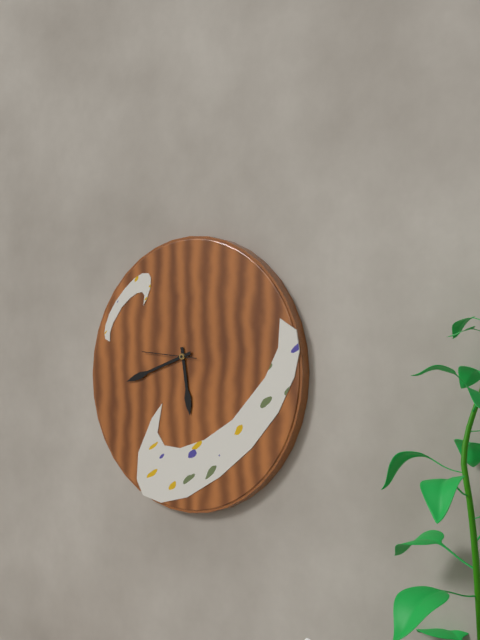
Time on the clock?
5:42:46
